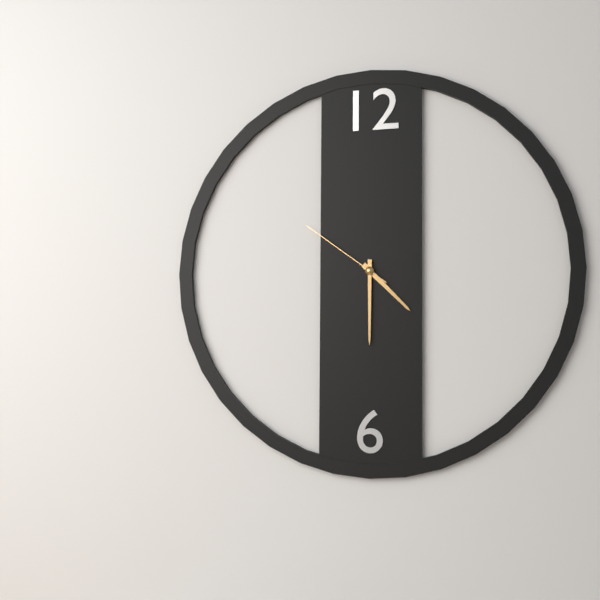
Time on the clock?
4:30:51
